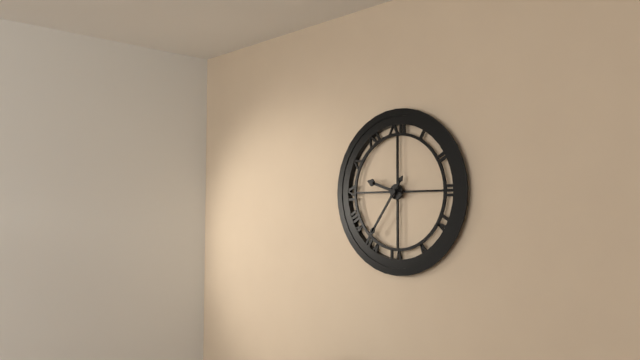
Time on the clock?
9:36
